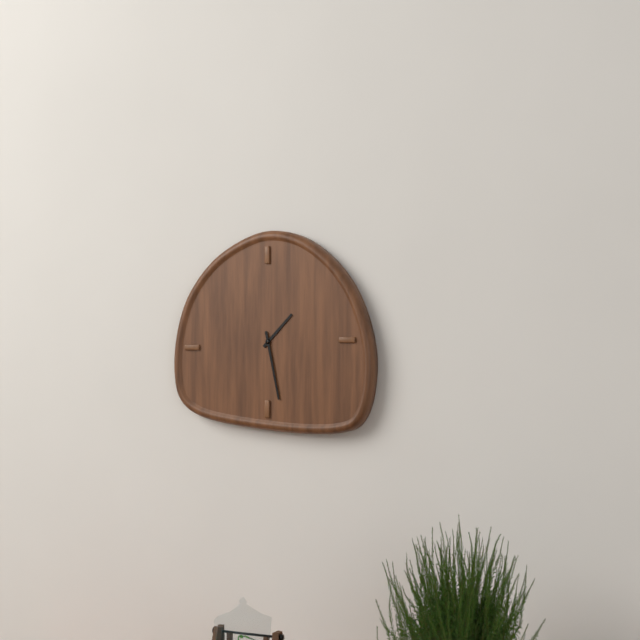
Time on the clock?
1:28
